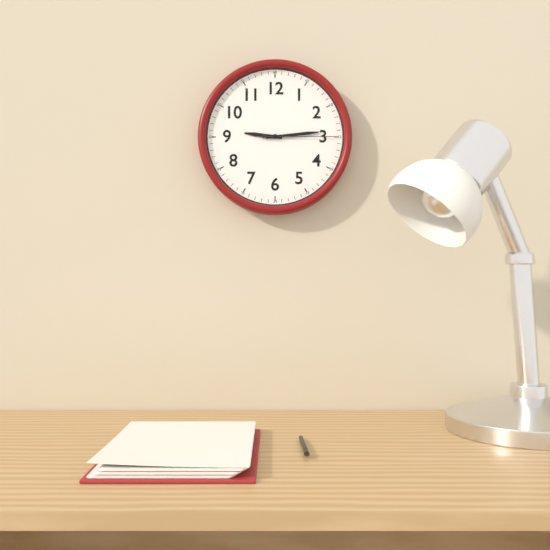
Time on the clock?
9:14:15
